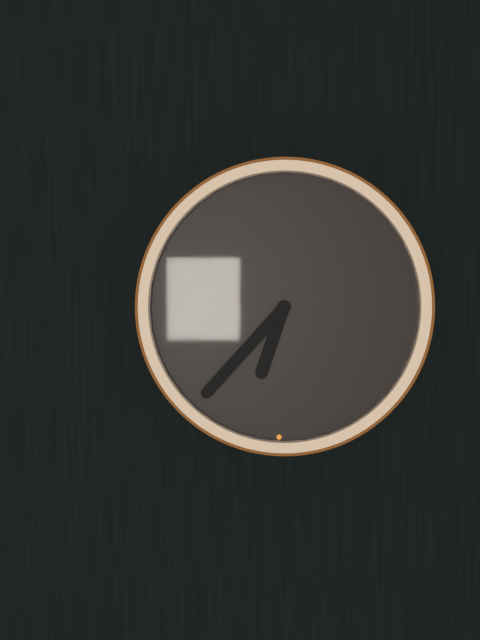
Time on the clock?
6:37
